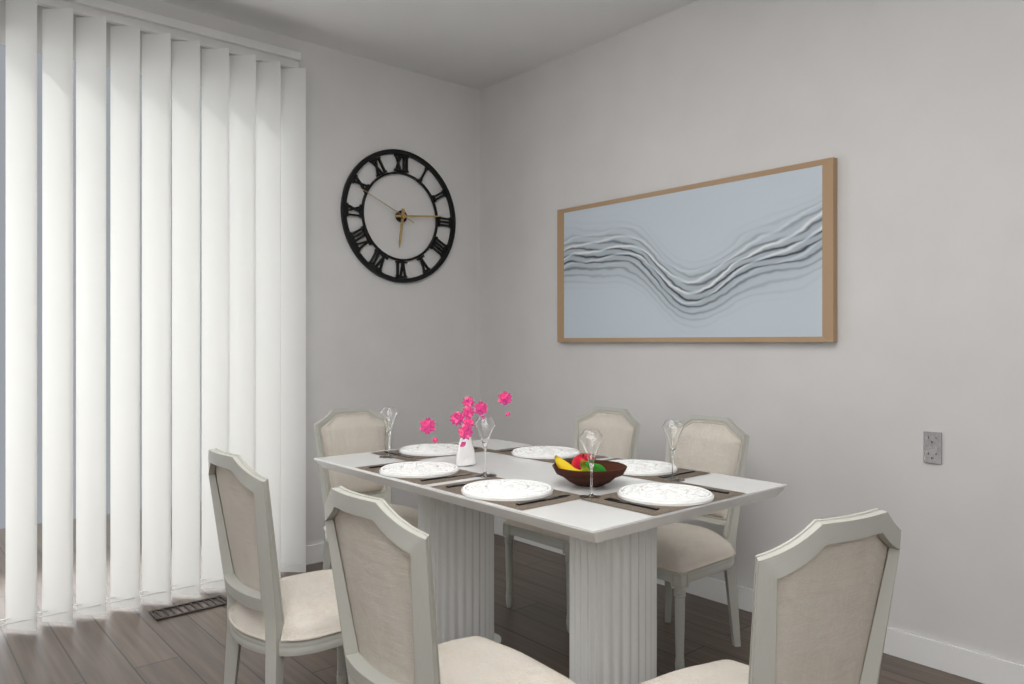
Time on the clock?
6:14:49
